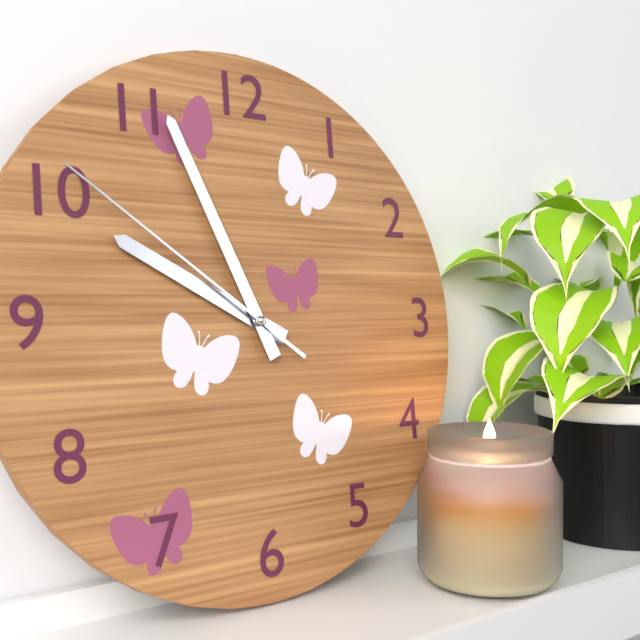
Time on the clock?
9:56:51
